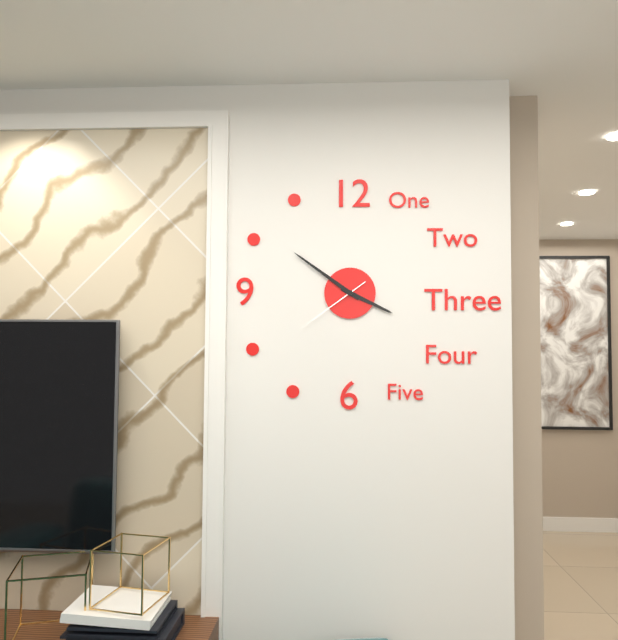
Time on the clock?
3:51:39
